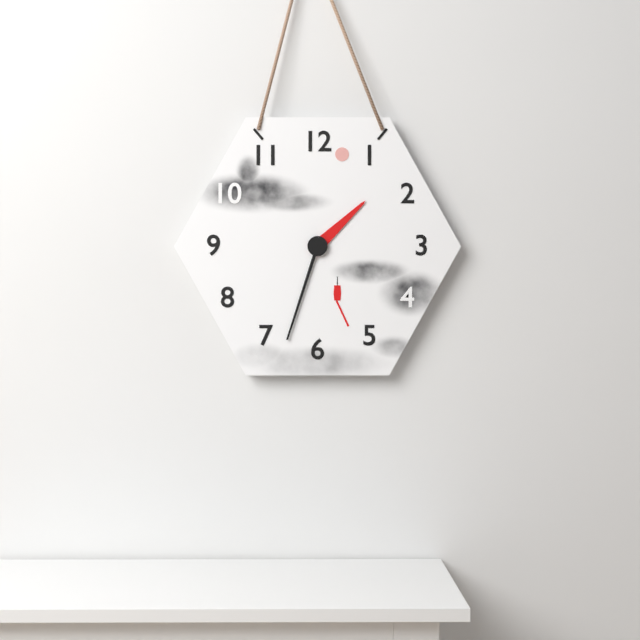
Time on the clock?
1:33
